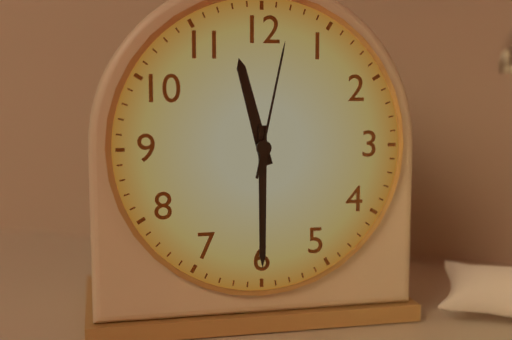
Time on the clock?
11:30:02
